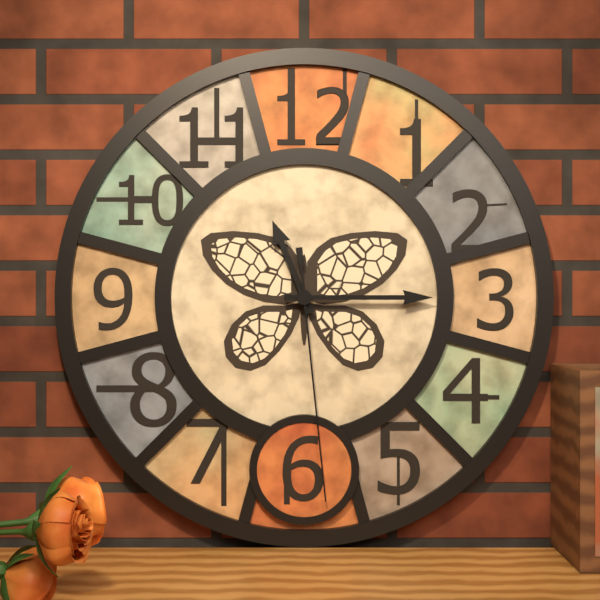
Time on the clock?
11:15:29
